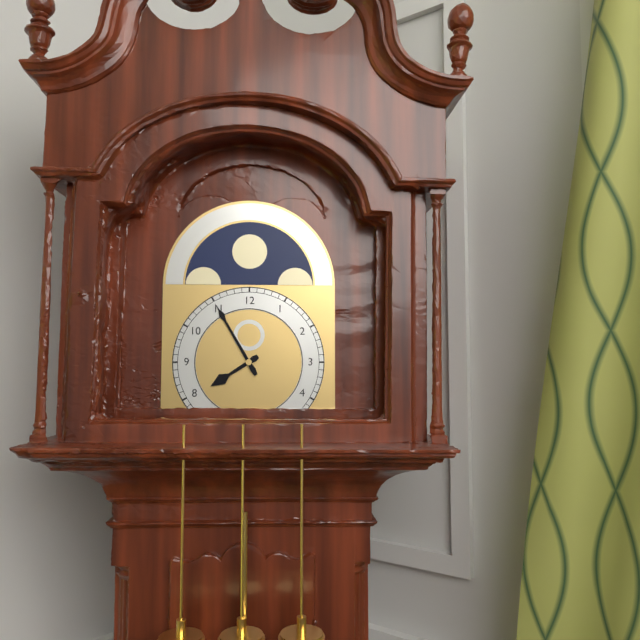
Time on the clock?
7:55
